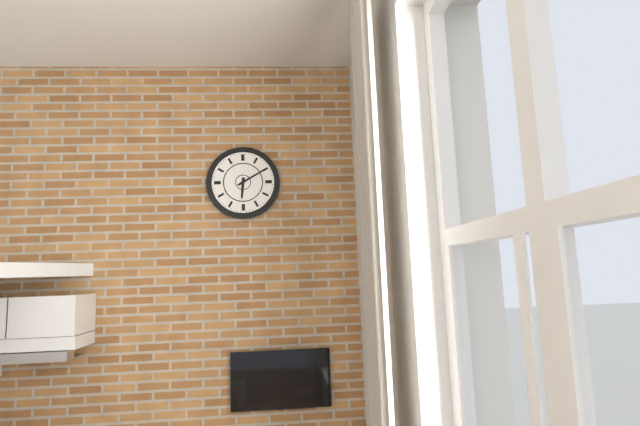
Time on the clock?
6:10
